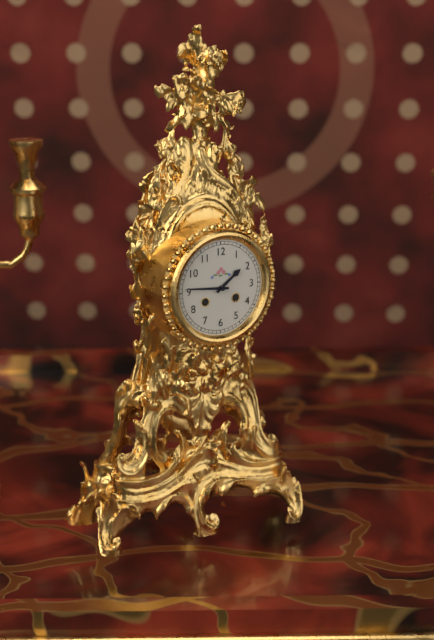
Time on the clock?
1:46
